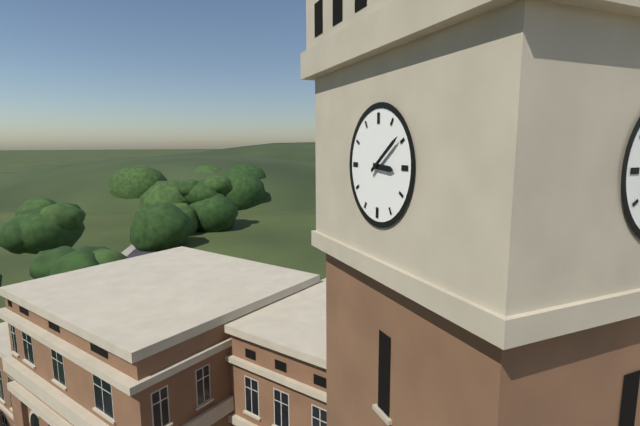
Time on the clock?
3:09
